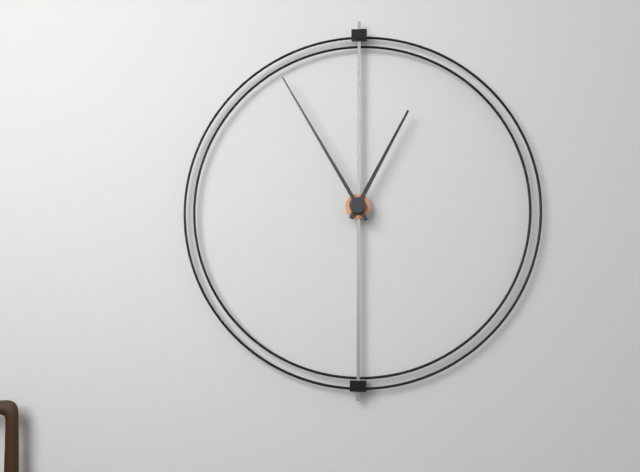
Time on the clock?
12:55
